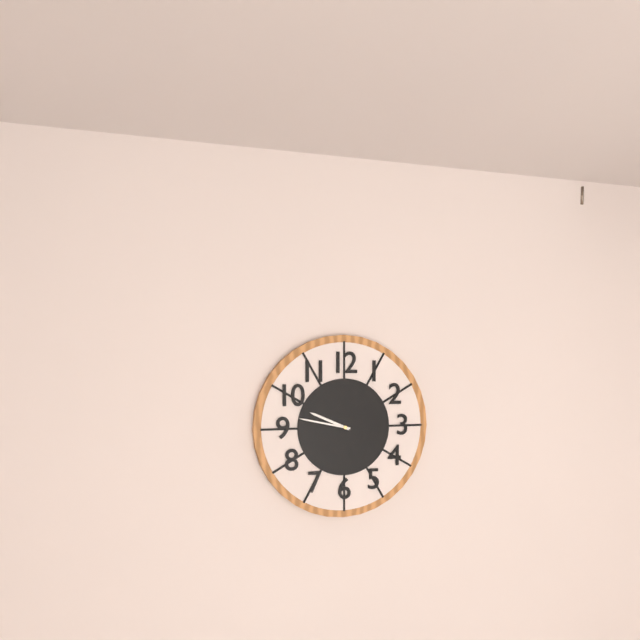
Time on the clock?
9:47
